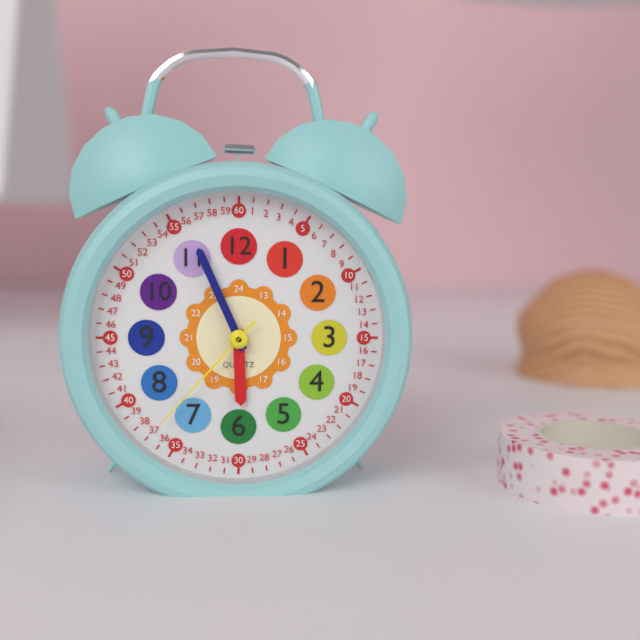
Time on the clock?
5:56:37
